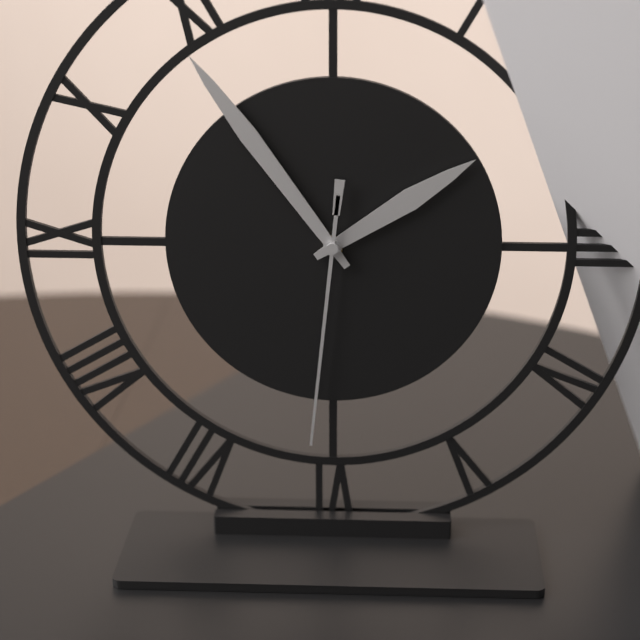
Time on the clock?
1:54:31
